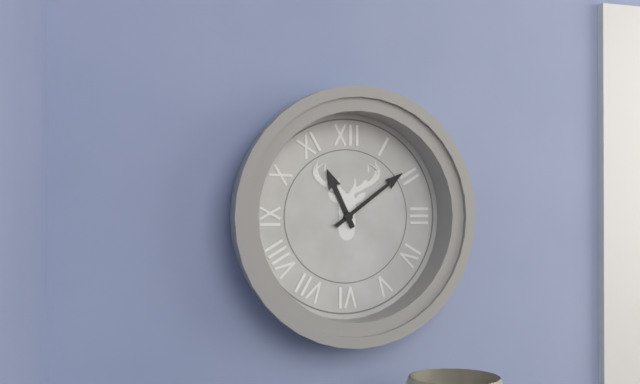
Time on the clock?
11:09
